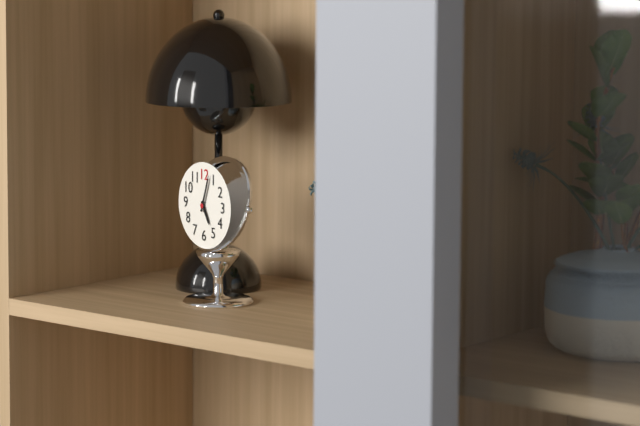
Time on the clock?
5:03
